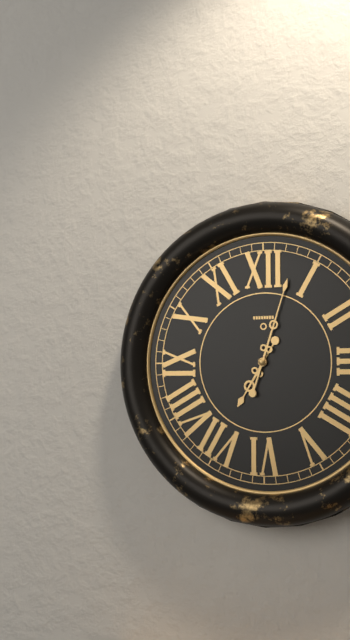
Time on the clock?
7:03
